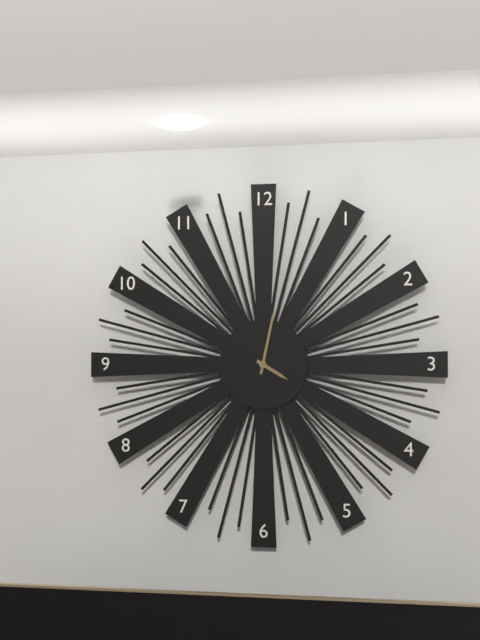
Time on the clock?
4:02
